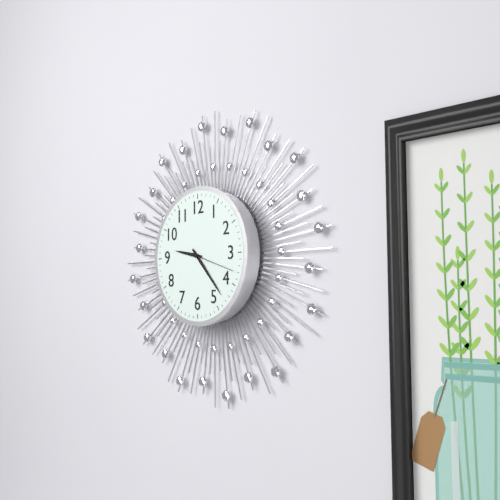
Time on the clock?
9:23
